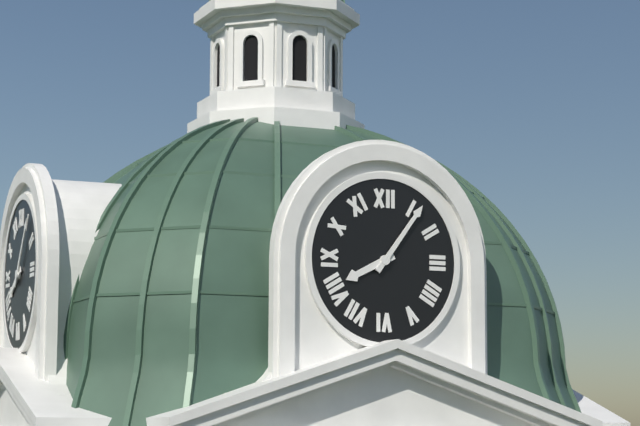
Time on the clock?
8:06
